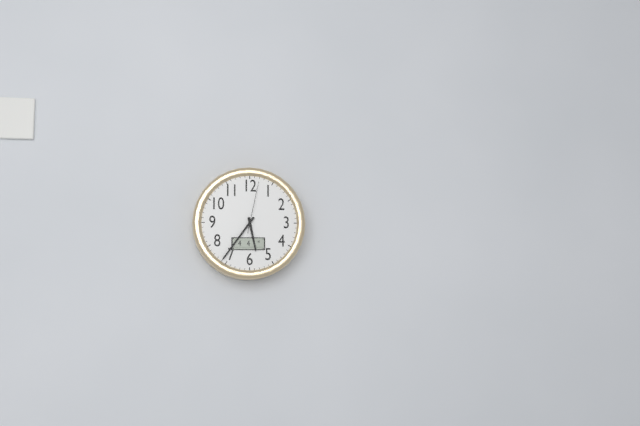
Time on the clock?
5:36:02
